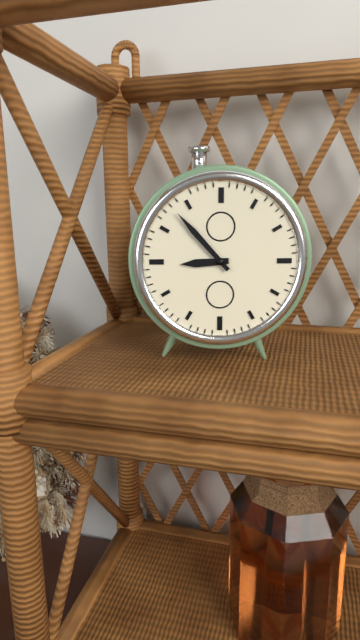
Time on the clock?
8:53
